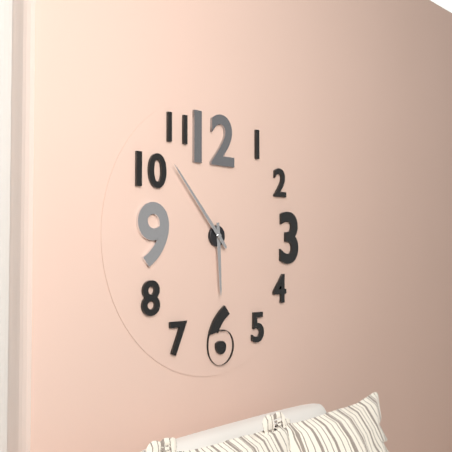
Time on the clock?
5:53
